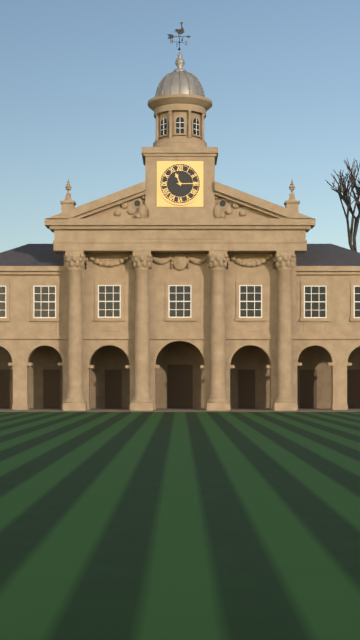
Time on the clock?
11:15
